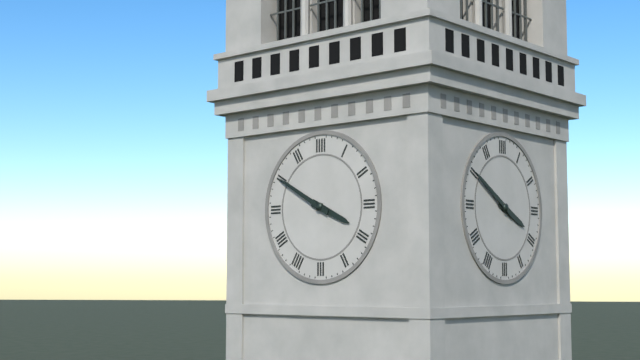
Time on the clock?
3:50
